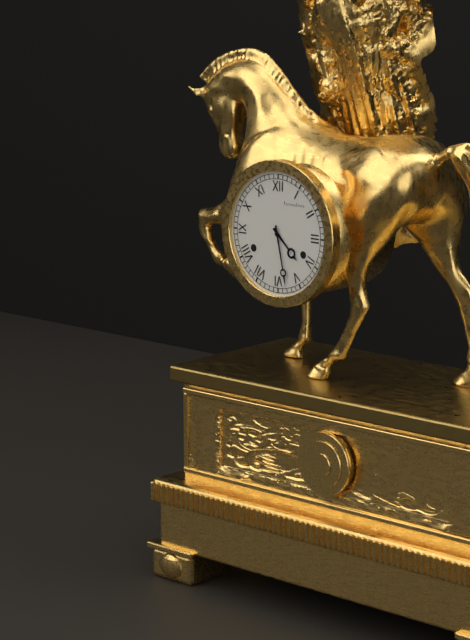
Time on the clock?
4:28
